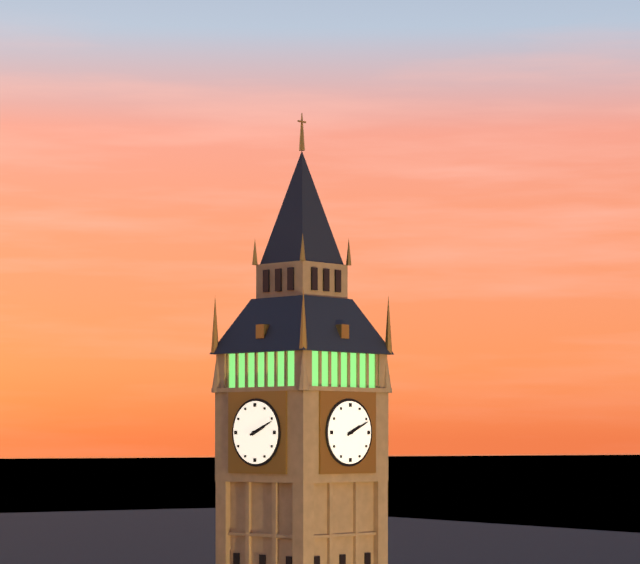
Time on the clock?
2:11
